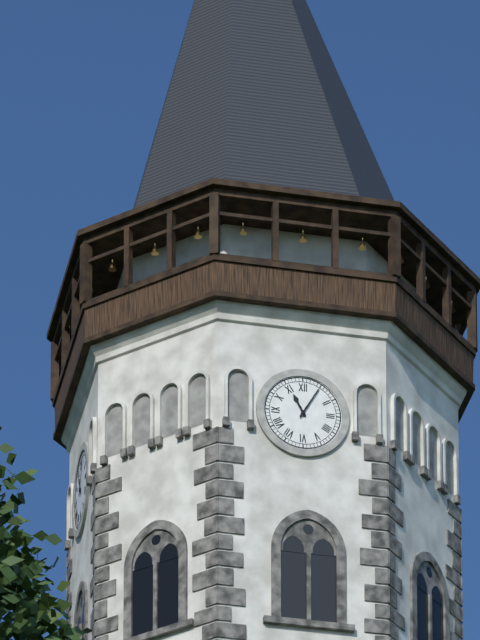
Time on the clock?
11:05
